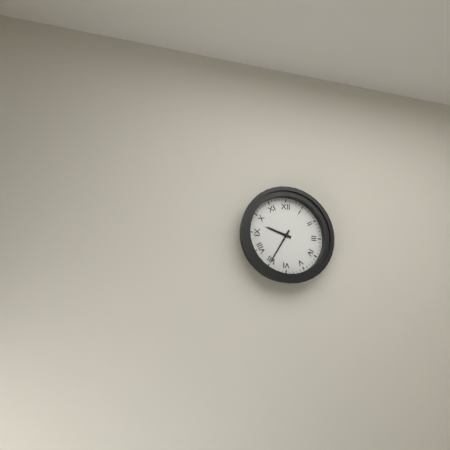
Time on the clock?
9:35
